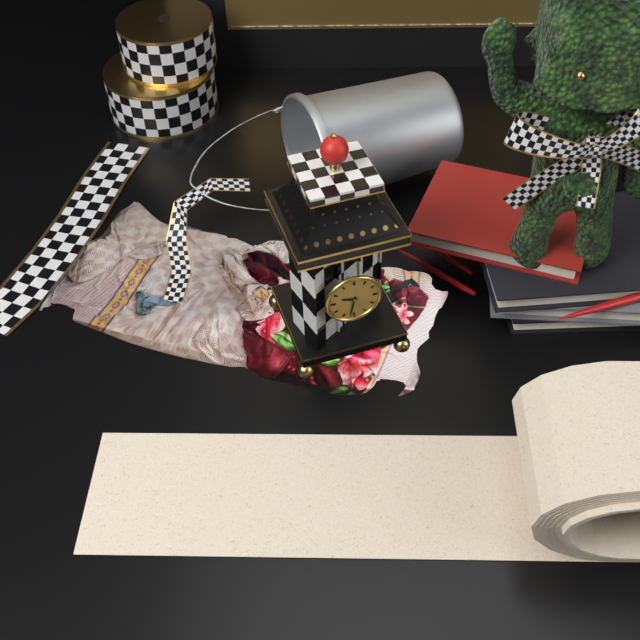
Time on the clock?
9:32
